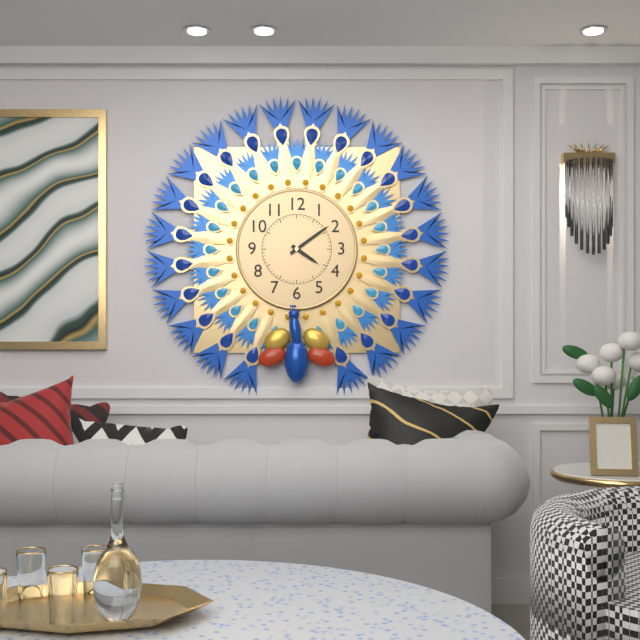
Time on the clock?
4:09
